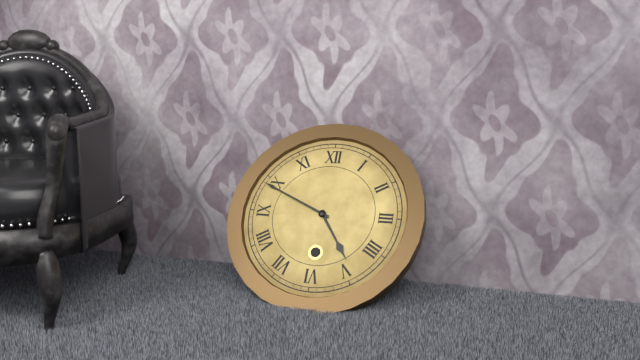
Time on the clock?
4:49
